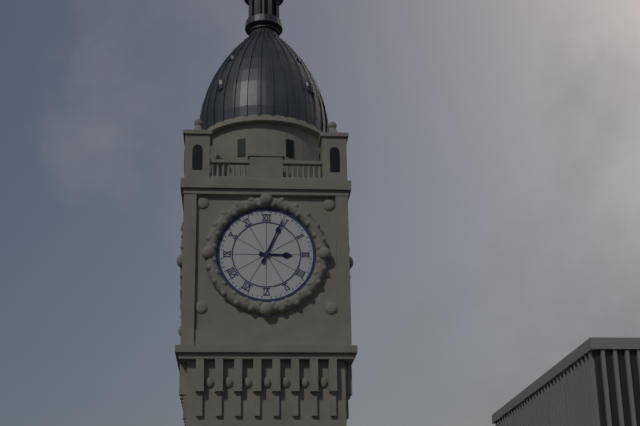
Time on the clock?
3:04
